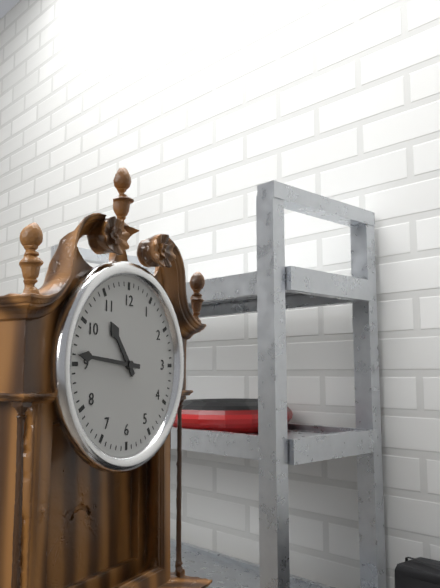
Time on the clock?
10:46
